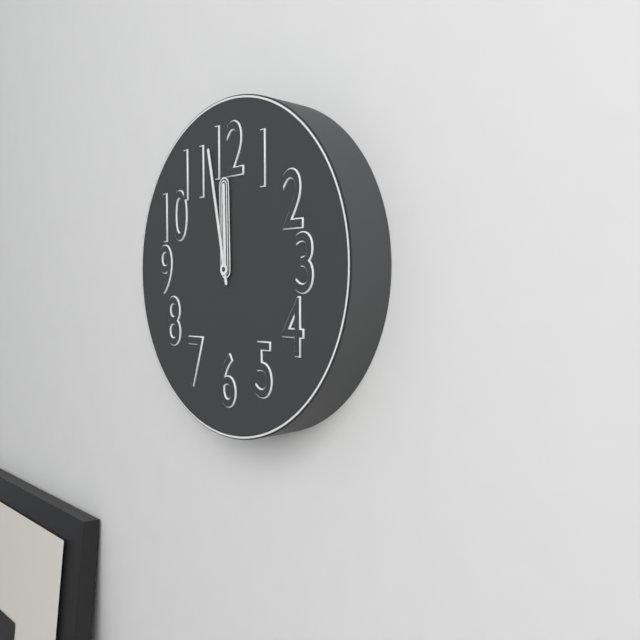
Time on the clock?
11:58
